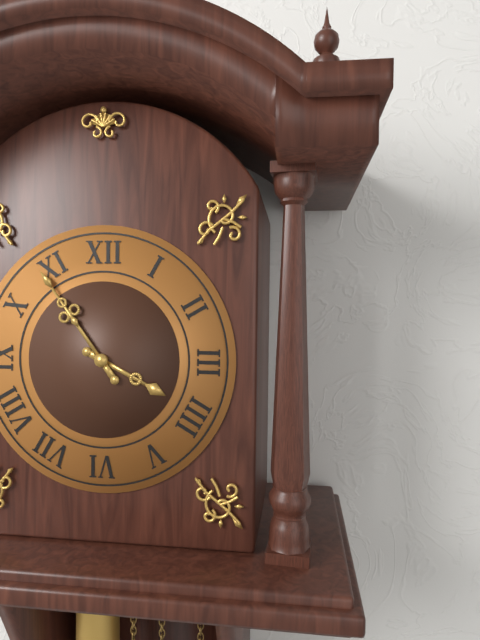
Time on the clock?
3:54
